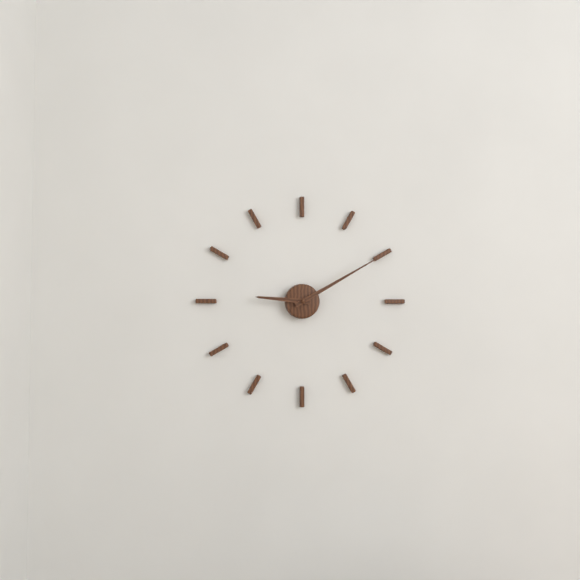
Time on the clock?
9:10
